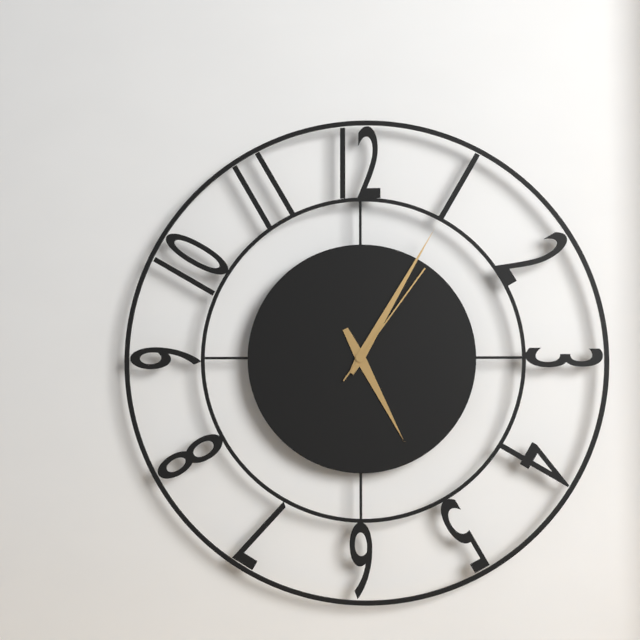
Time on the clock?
5:05:06
